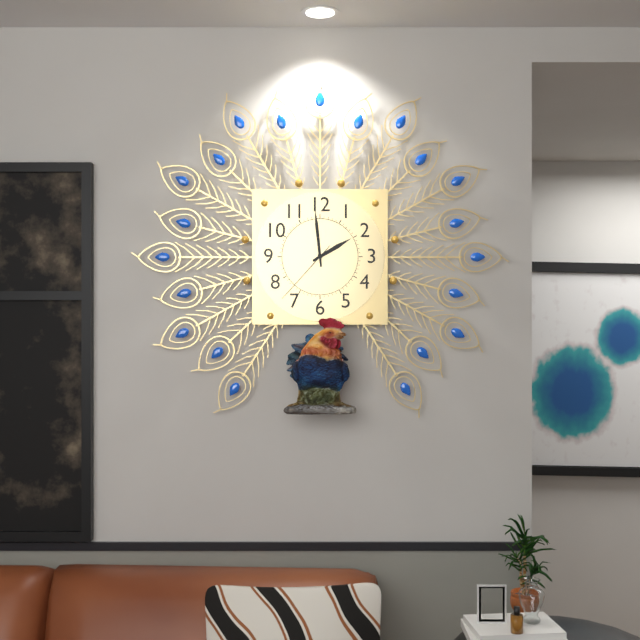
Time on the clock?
1:59:37
